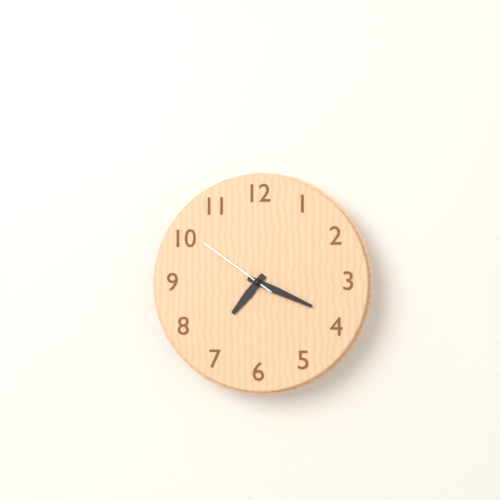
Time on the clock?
7:19:51
